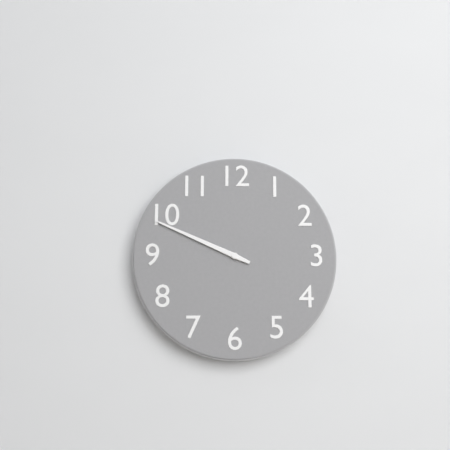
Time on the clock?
9:49
